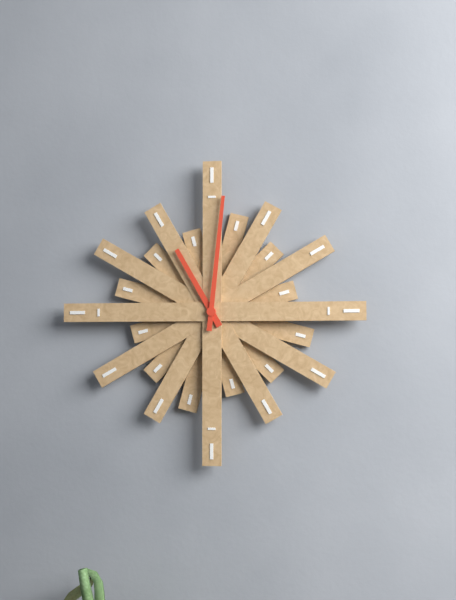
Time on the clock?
11:01
